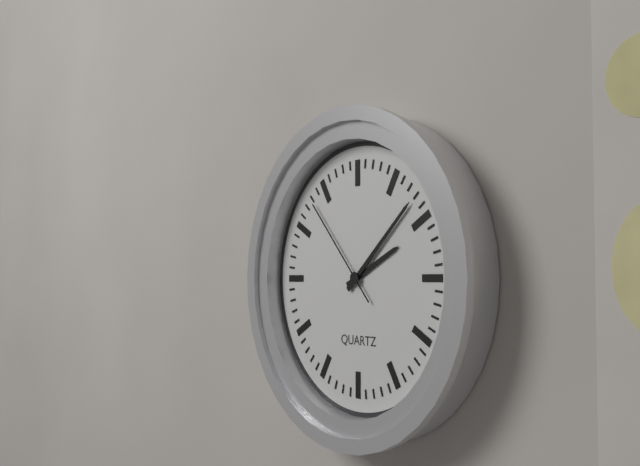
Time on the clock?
2:08:53
